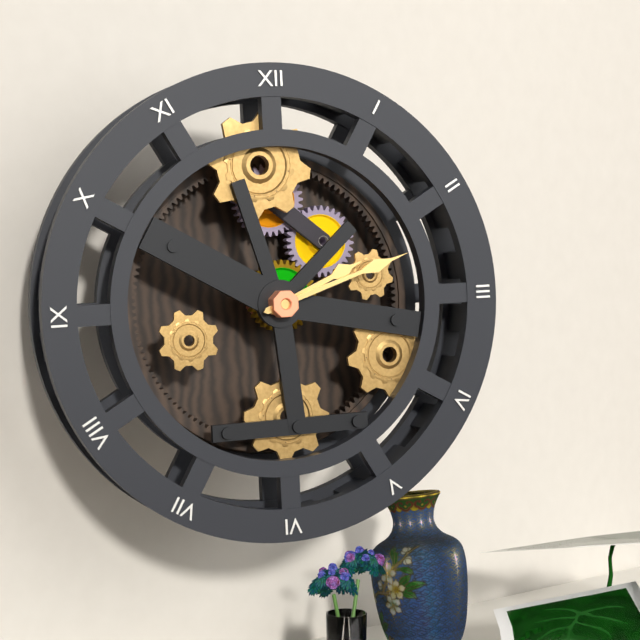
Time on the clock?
2:12
